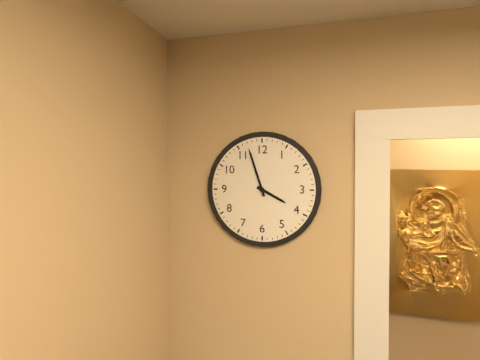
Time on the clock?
3:57
